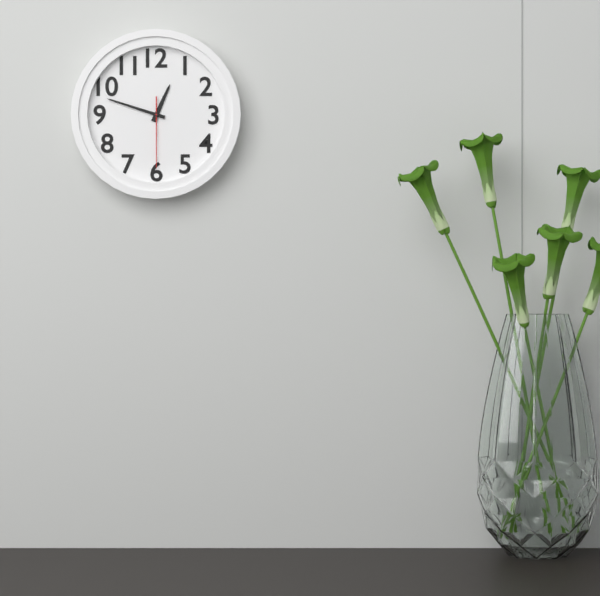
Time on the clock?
12:48:30
